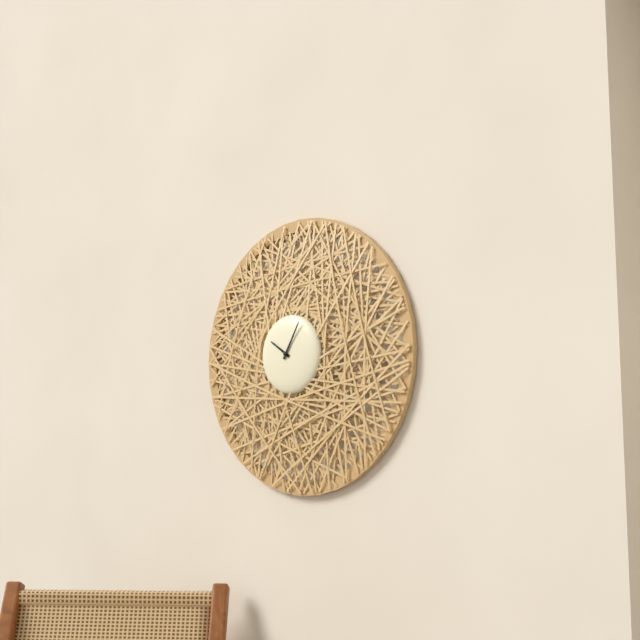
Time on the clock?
10:05
